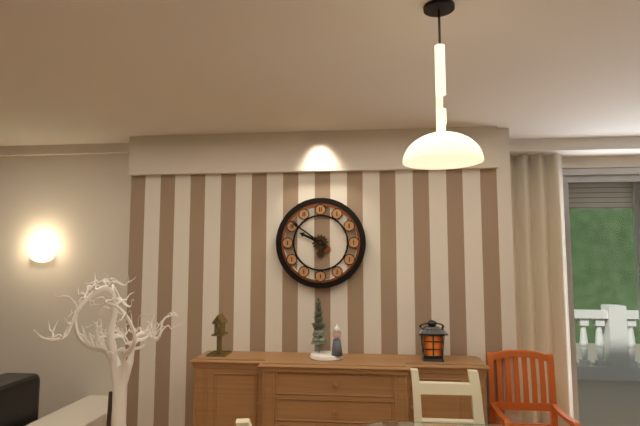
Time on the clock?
9:51
